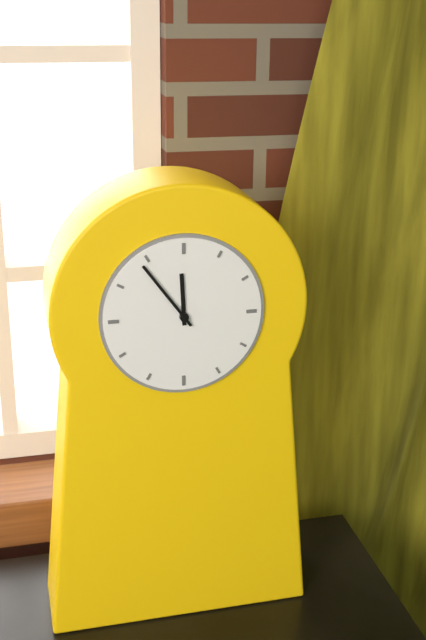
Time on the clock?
11:54
